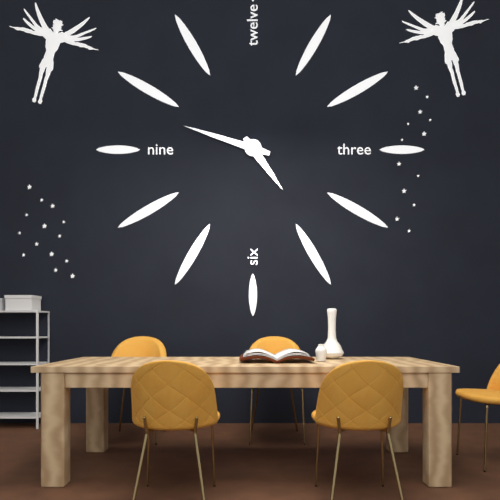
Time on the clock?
4:48
